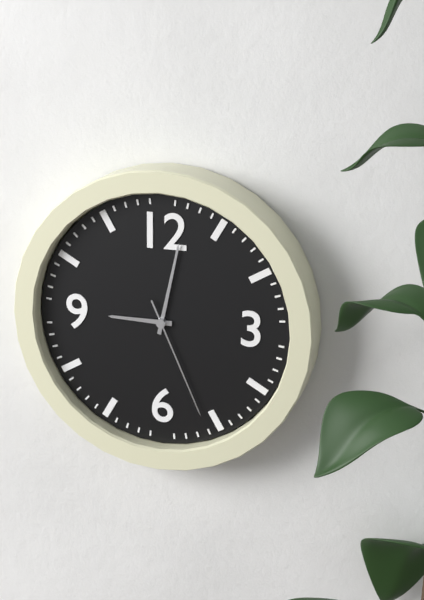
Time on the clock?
9:02:26
